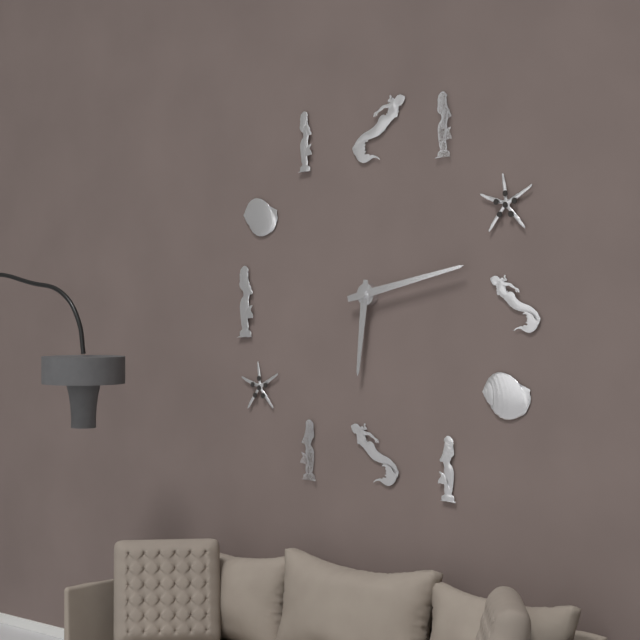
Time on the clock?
6:13
